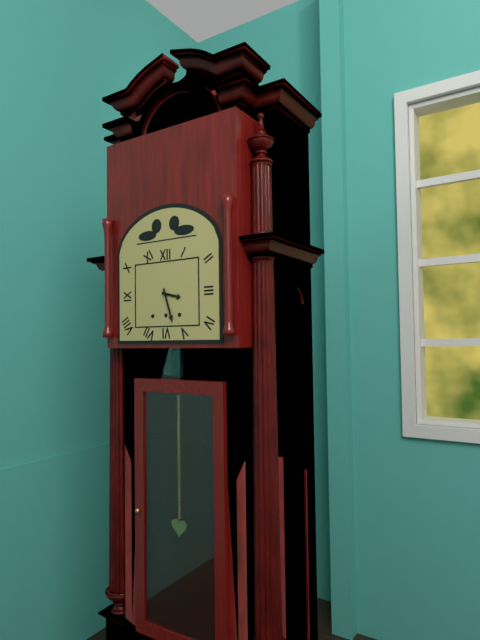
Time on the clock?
3:27
